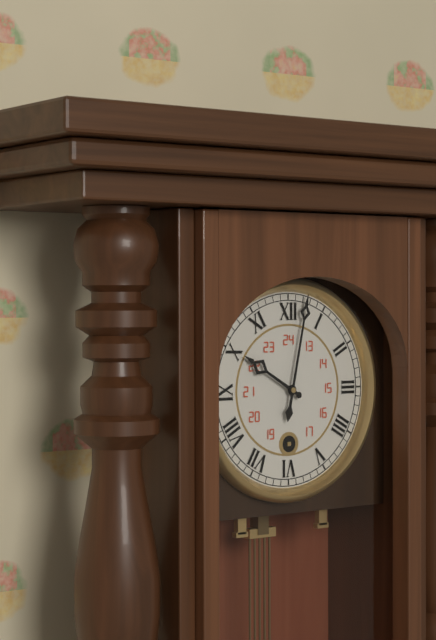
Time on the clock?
10:02
